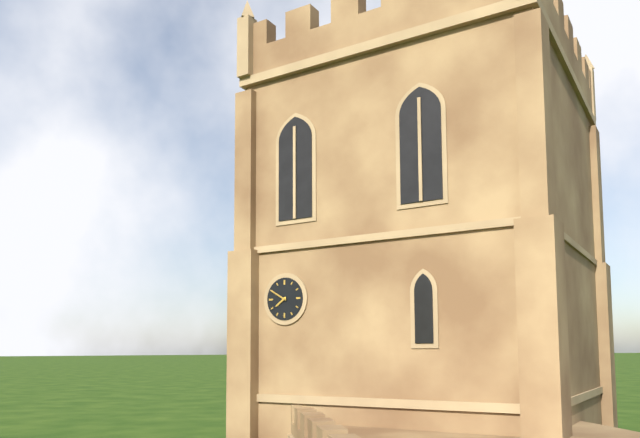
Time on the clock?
7:50
